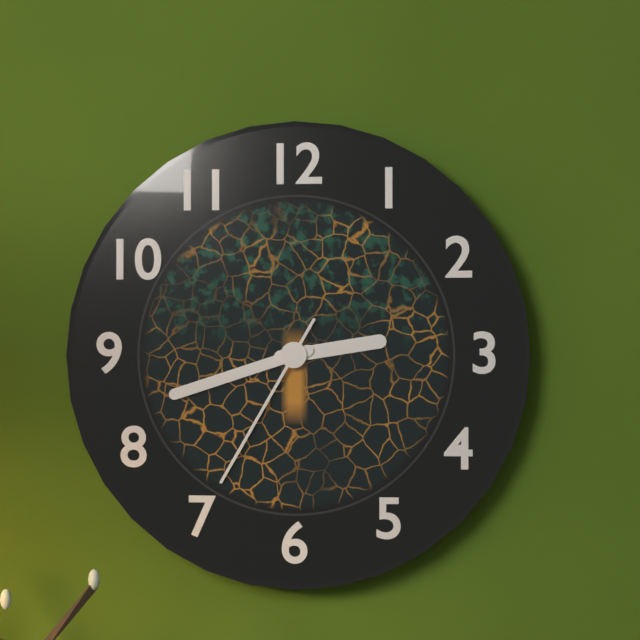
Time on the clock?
2:42:35
